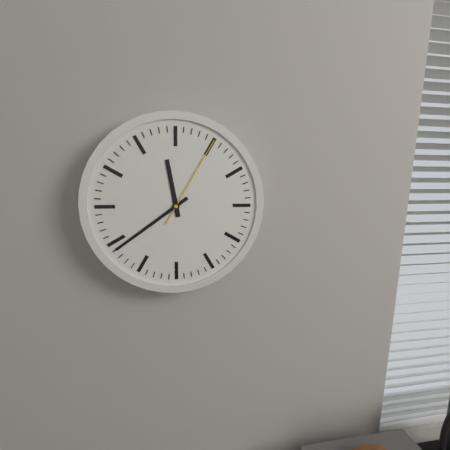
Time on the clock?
11:39:05
